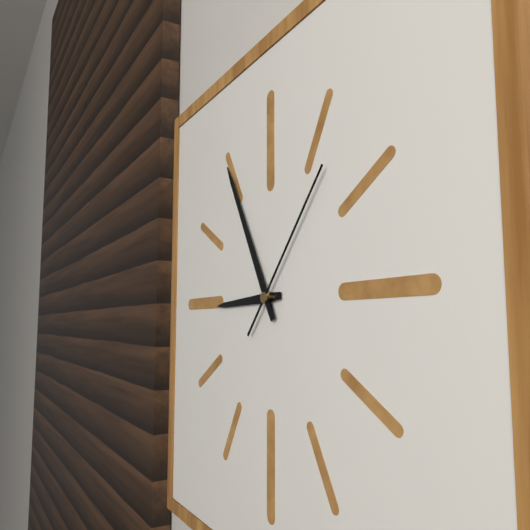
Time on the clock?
8:55:07
